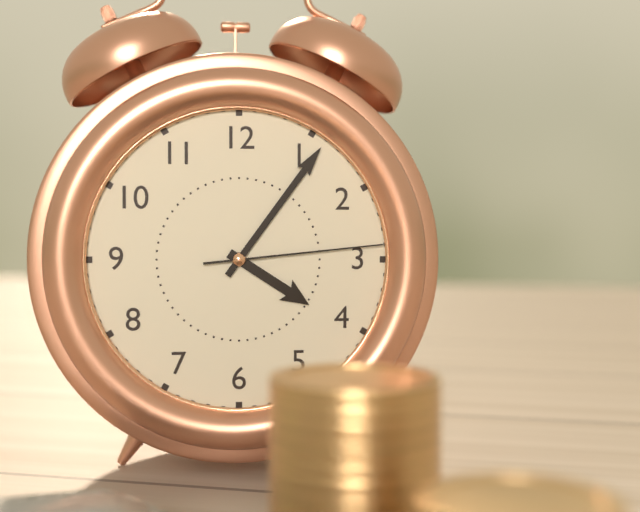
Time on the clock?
4:06:14
